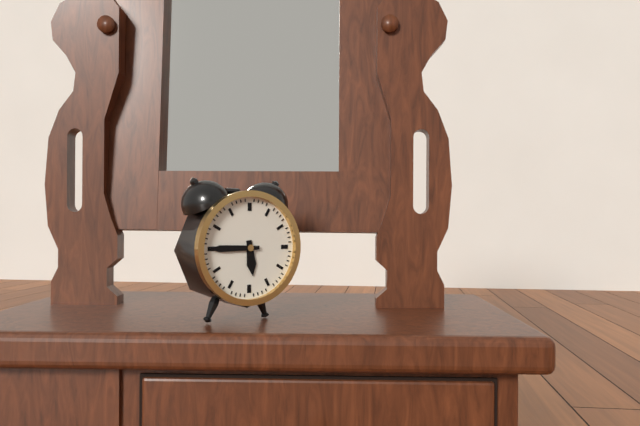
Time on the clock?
5:45
